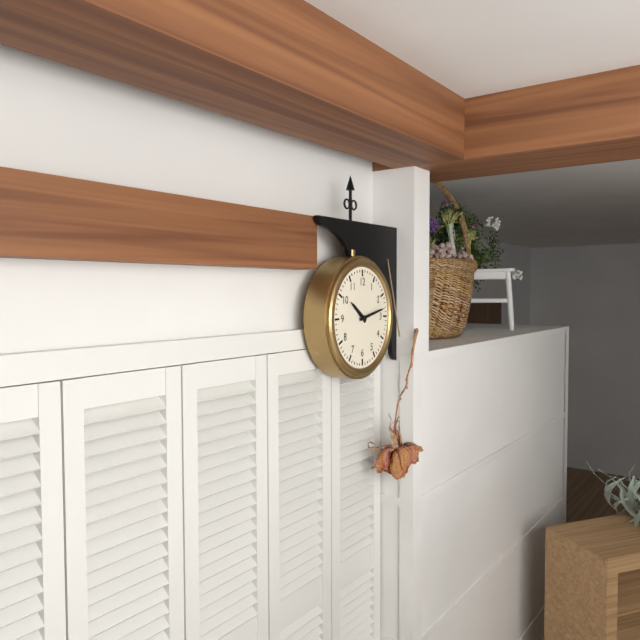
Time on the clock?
10:13
